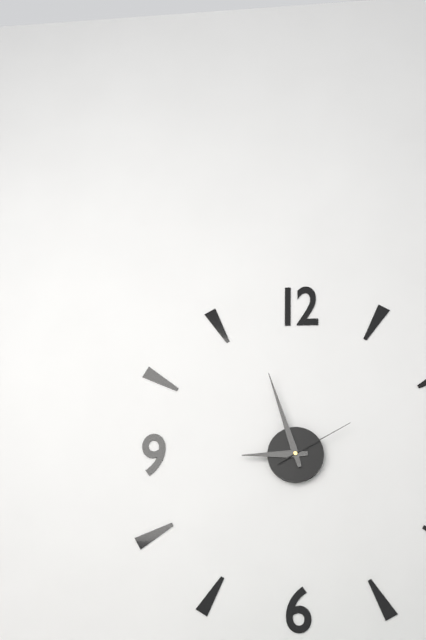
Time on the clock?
8:57:10
